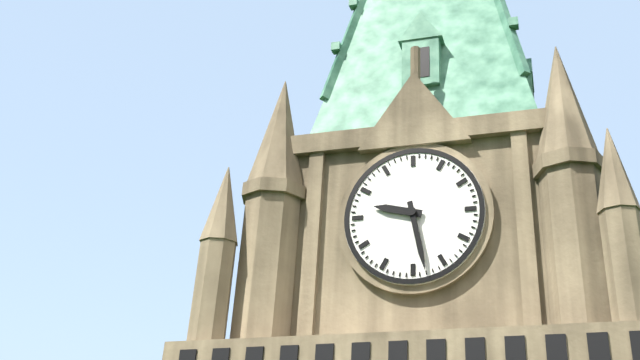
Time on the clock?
9:28
